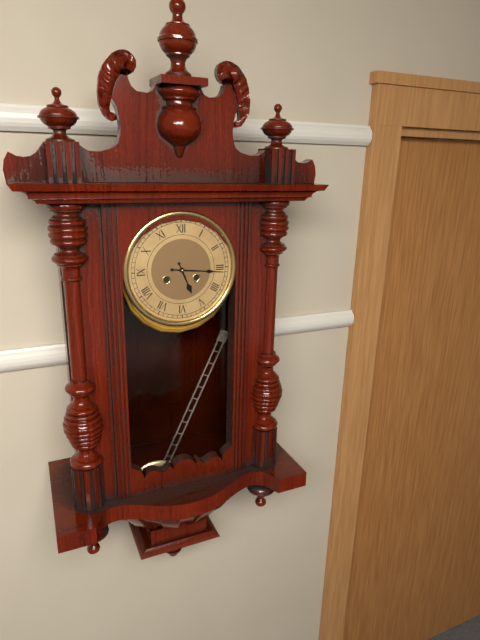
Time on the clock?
5:16
